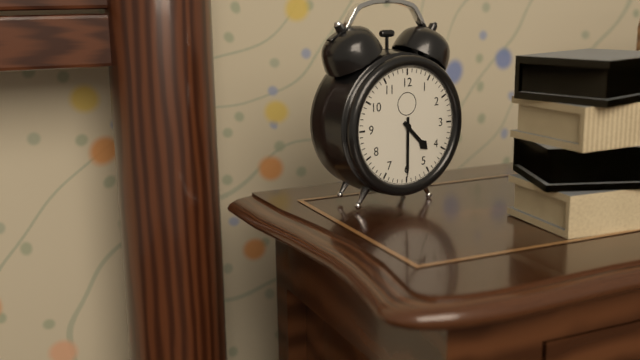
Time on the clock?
4:30
